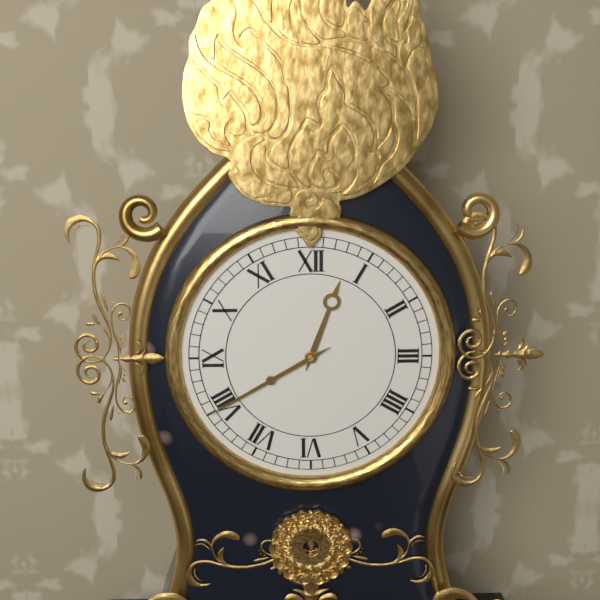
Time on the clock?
12:40
